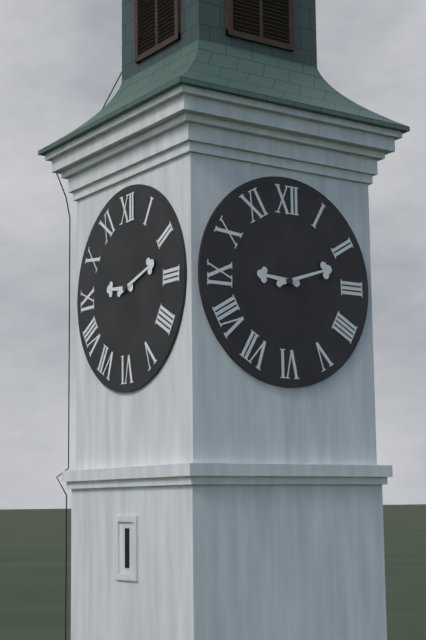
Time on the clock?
9:12
